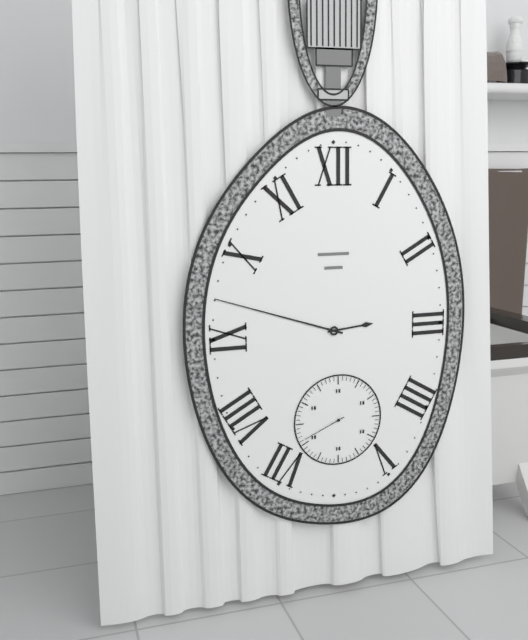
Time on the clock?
2:48
